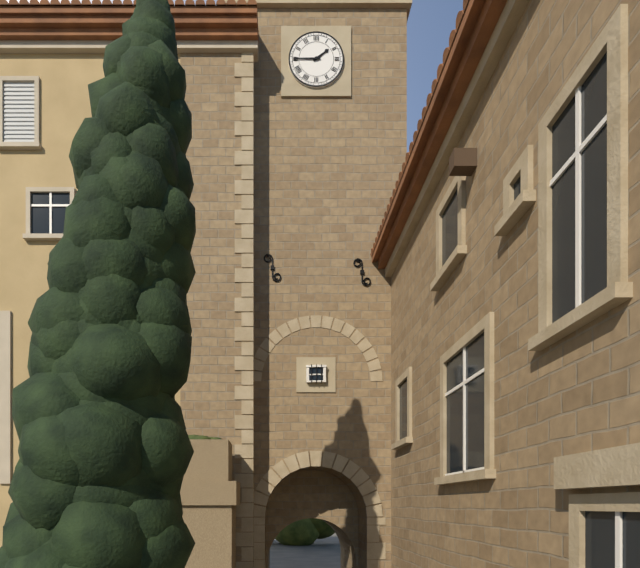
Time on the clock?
1:45
